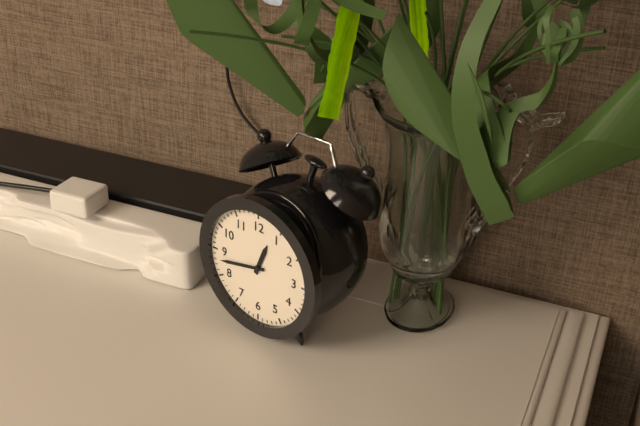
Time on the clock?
12:43
